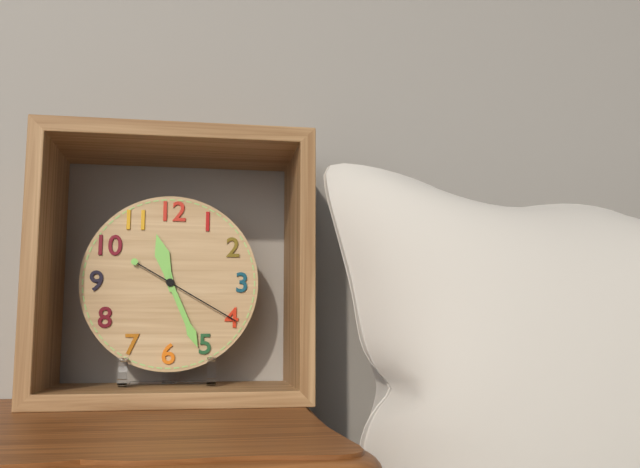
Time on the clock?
11:26:20
